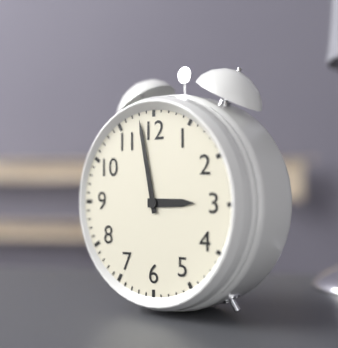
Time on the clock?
2:58
